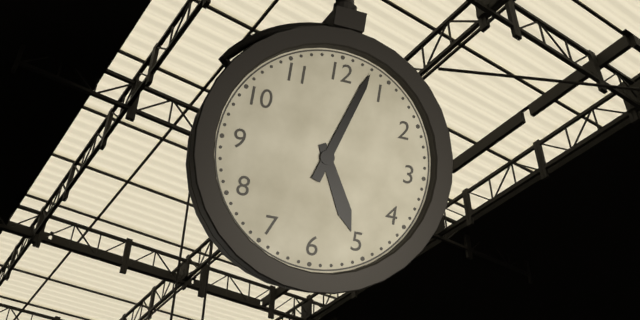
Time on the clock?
5:03
